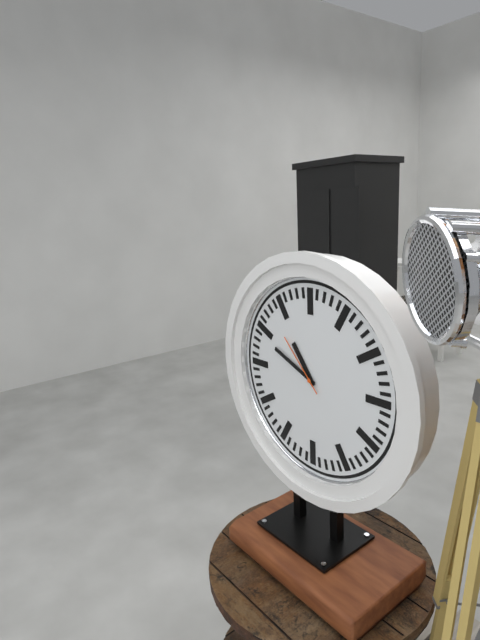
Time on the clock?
10:49:53
